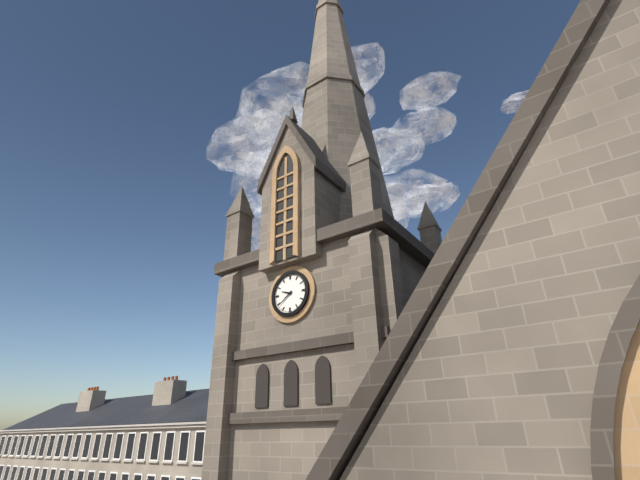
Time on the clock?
9:39
